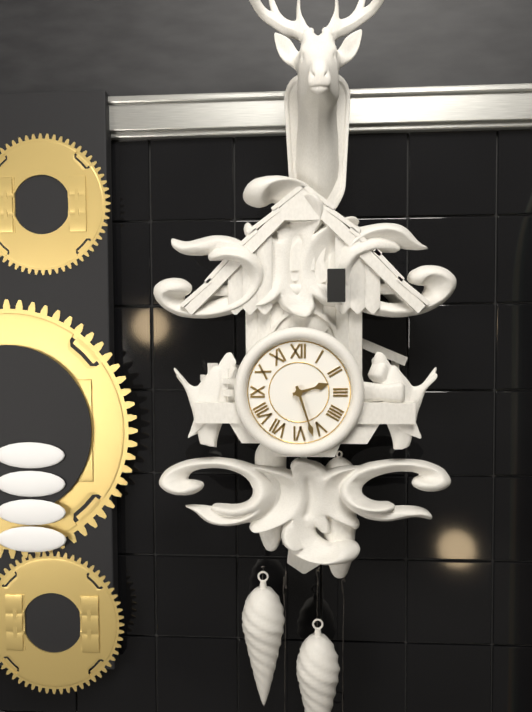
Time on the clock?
2:27
